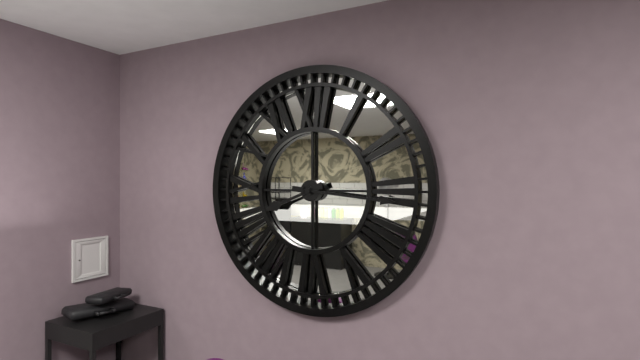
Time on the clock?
8:16
